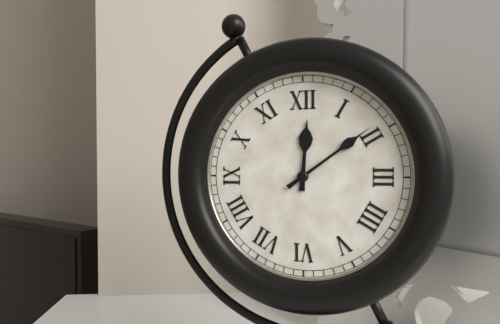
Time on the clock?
12:09
